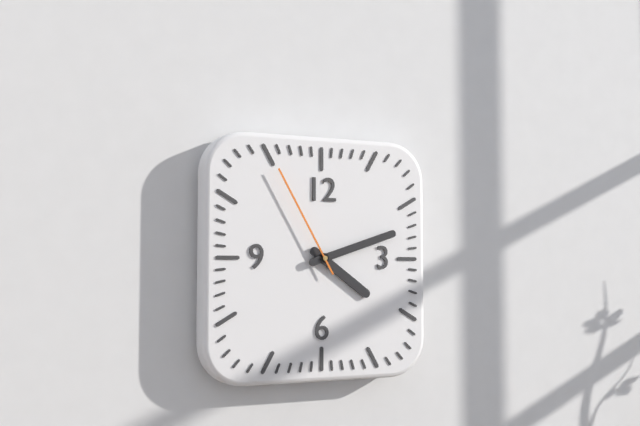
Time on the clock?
4:12:55
